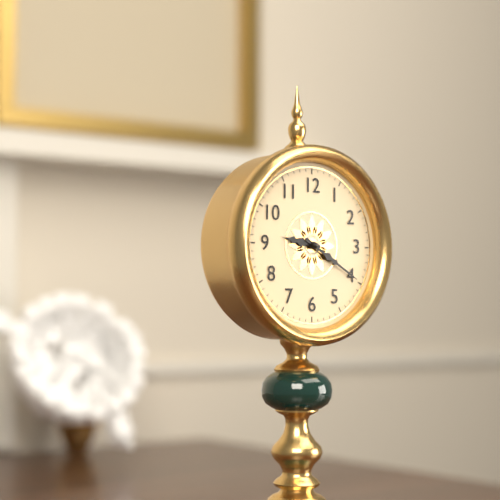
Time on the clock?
9:20
